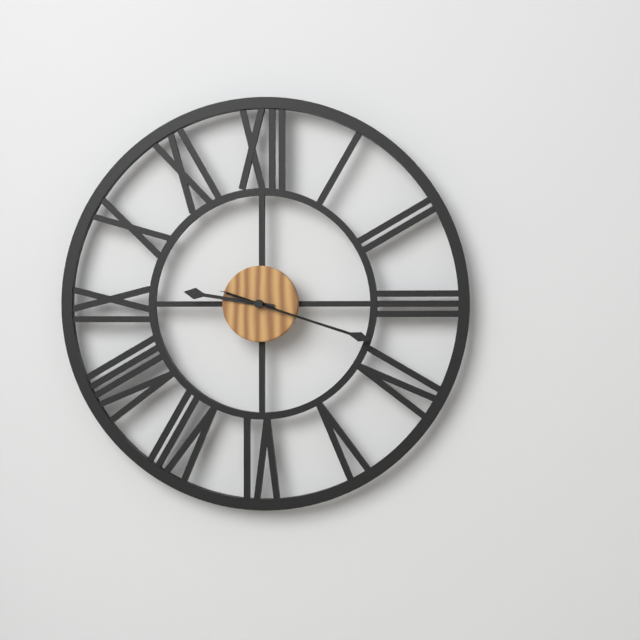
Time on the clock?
9:18
